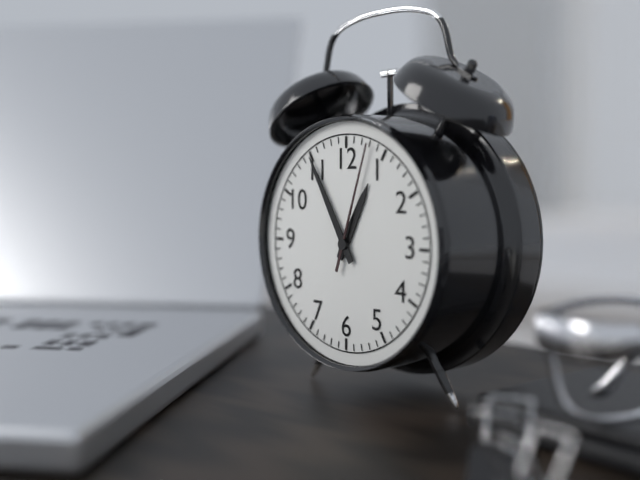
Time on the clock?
12:55:03
